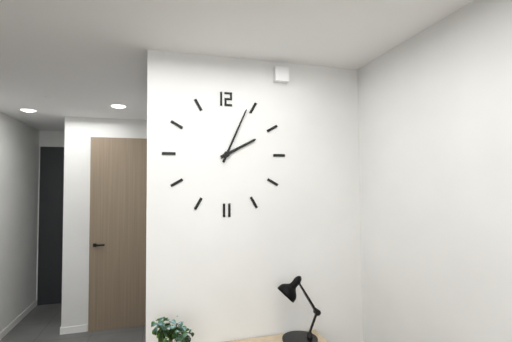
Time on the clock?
2:04
